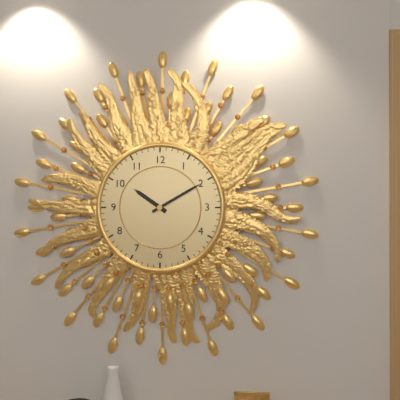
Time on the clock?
10:10
